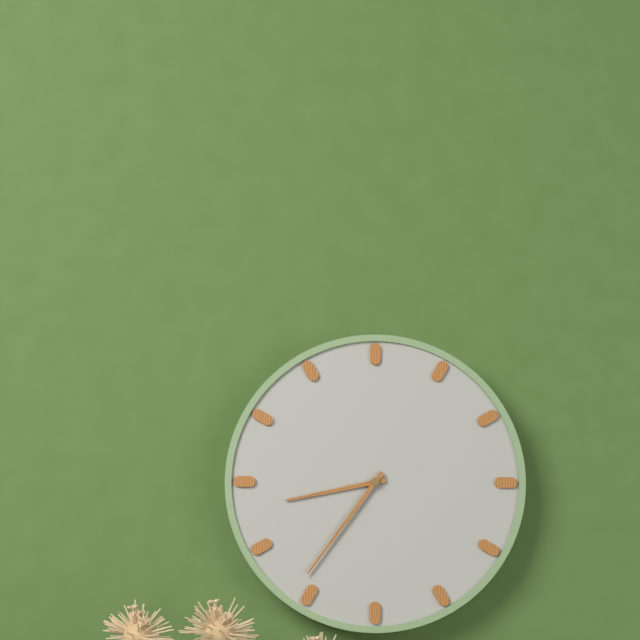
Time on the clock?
8:36
